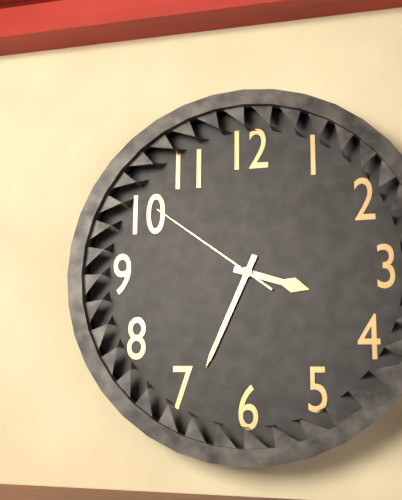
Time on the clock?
3:34:51
